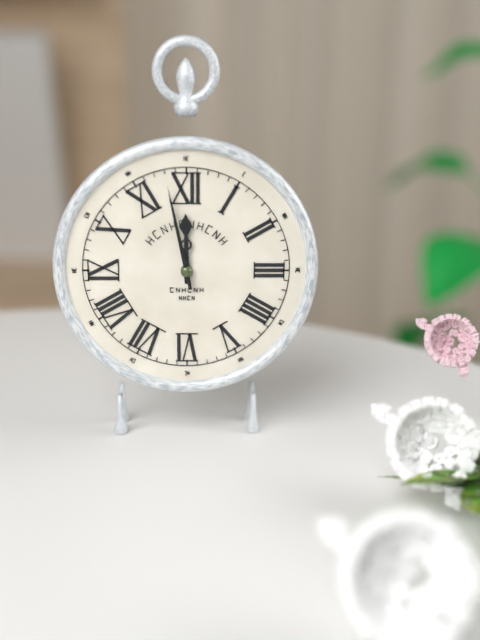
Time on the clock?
11:58
